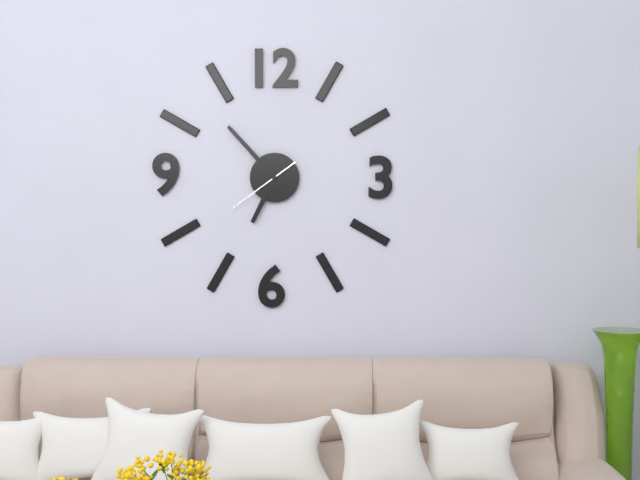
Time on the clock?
6:53:39
